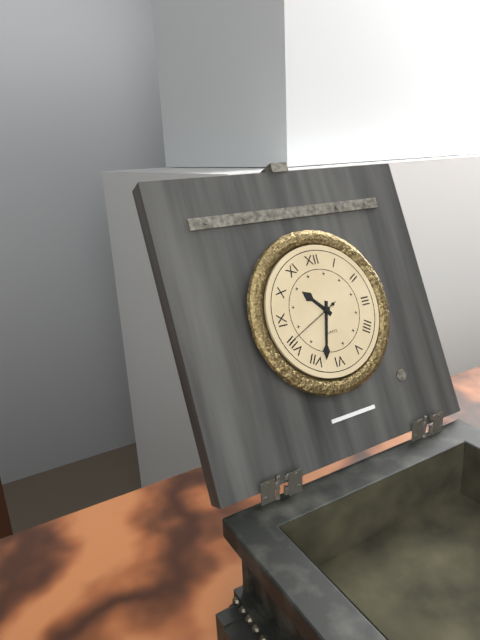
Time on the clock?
10:33:41
